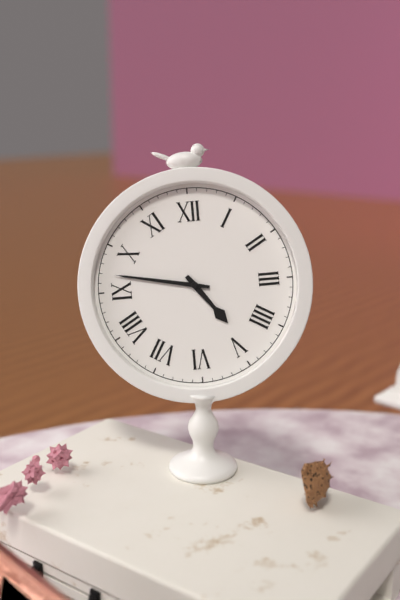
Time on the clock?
4:47
